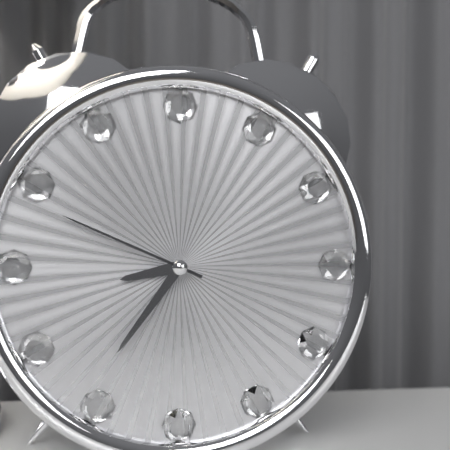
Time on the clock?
8:36:49
